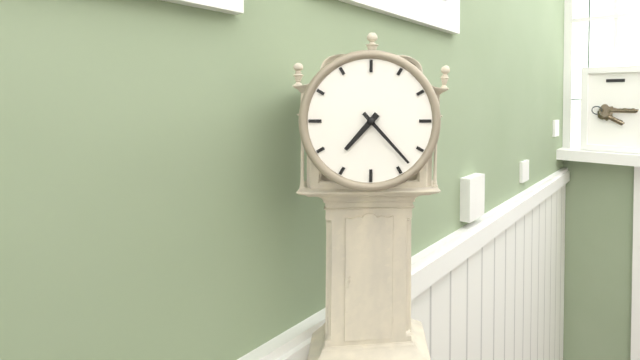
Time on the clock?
7:23
